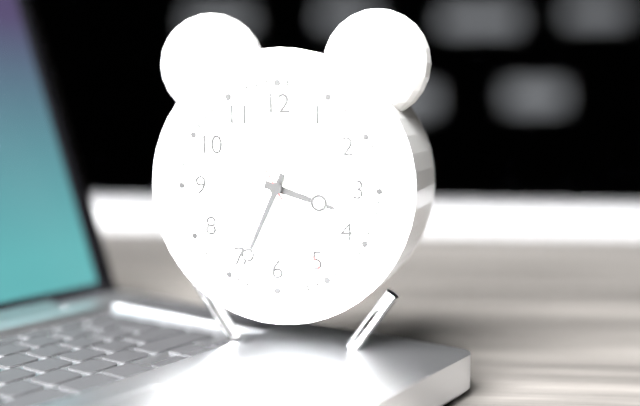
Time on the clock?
3:34:25
